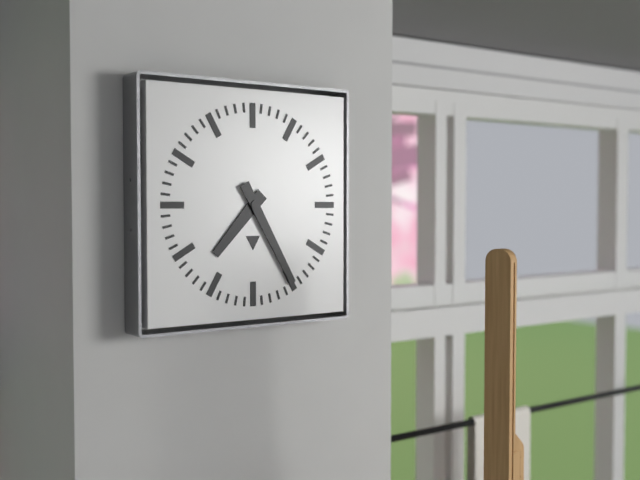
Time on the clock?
7:25
